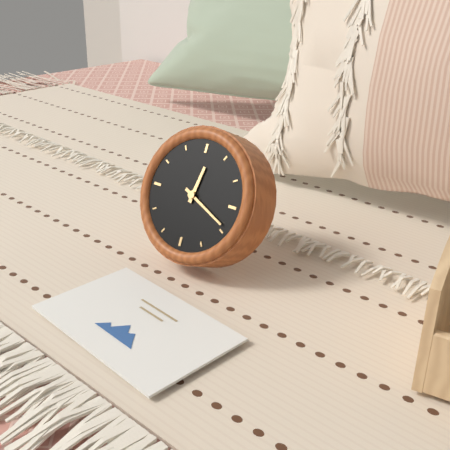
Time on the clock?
12:19
